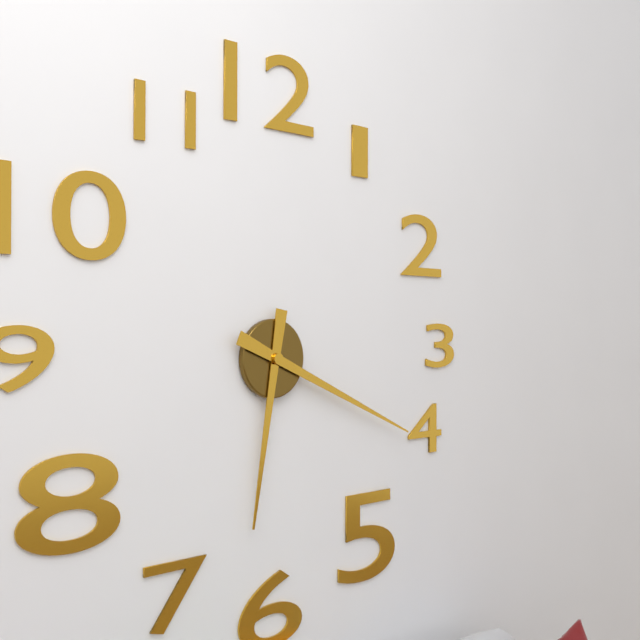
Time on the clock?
6:19
